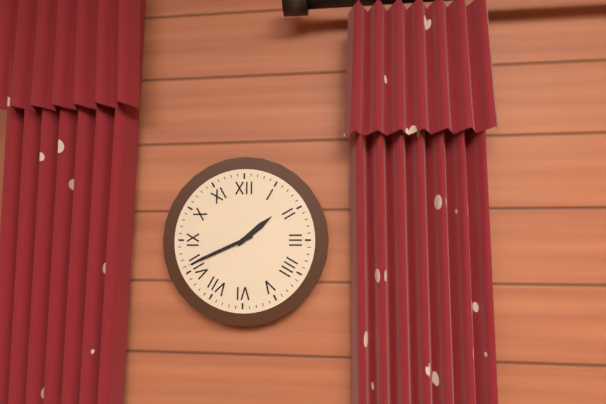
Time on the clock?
1:41
